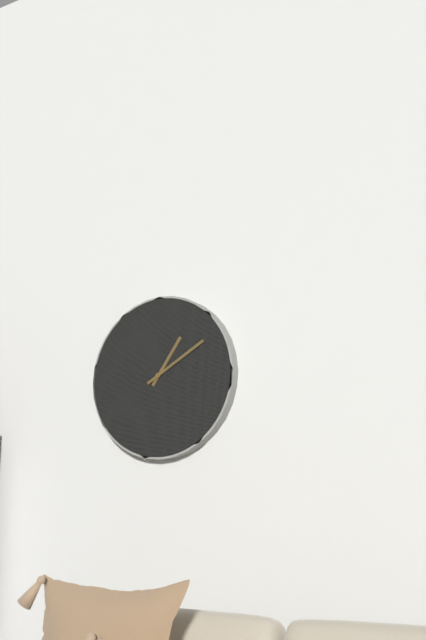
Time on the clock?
1:10
